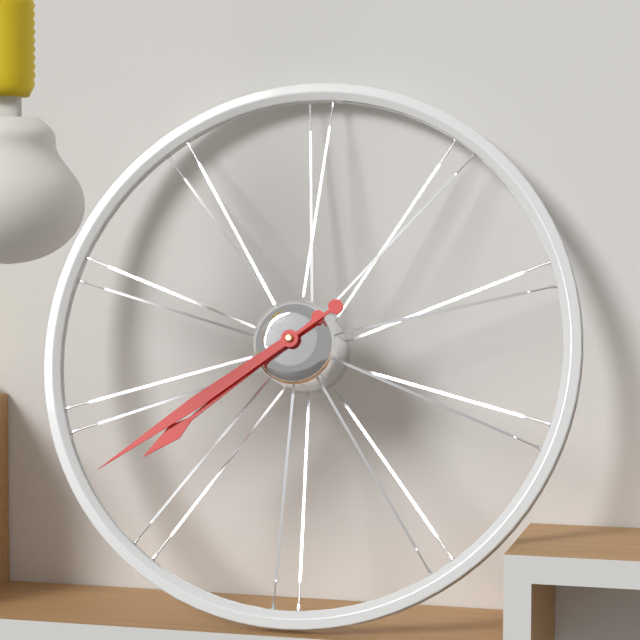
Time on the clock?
7:39
